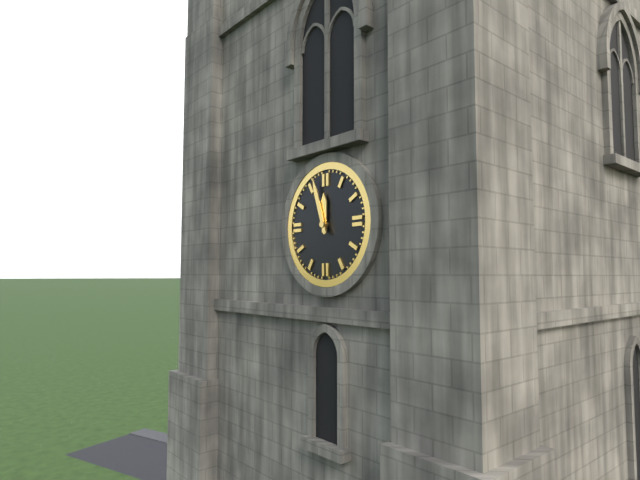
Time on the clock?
11:57
